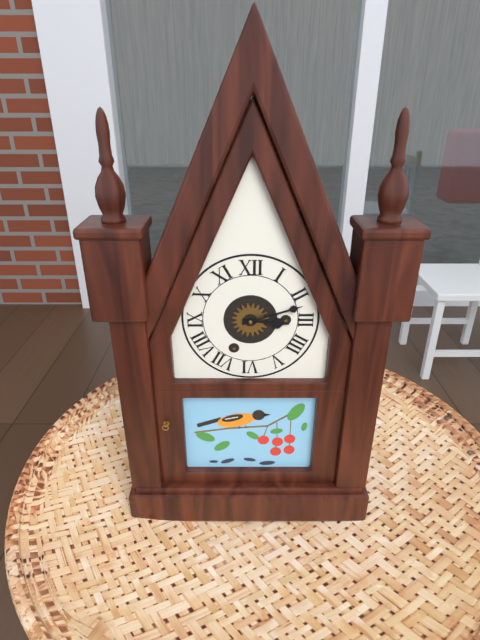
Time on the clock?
3:12
